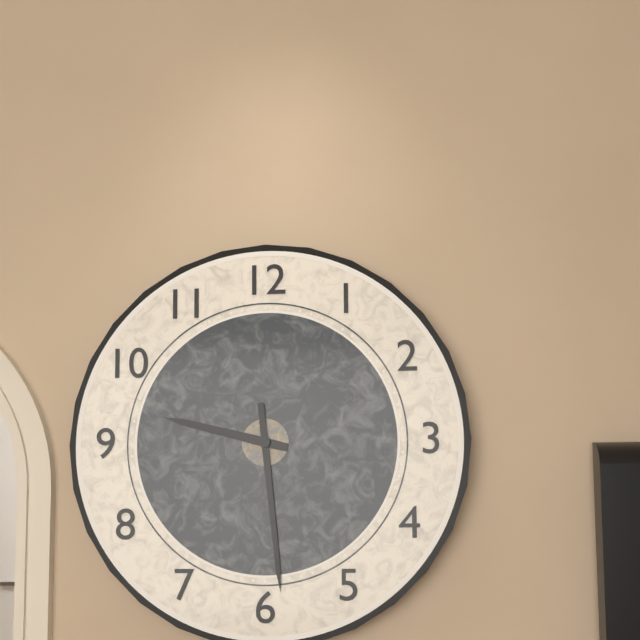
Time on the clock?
9:29
